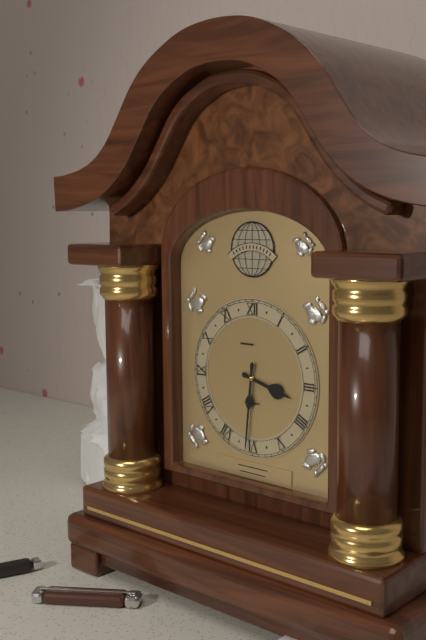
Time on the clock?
3:31
